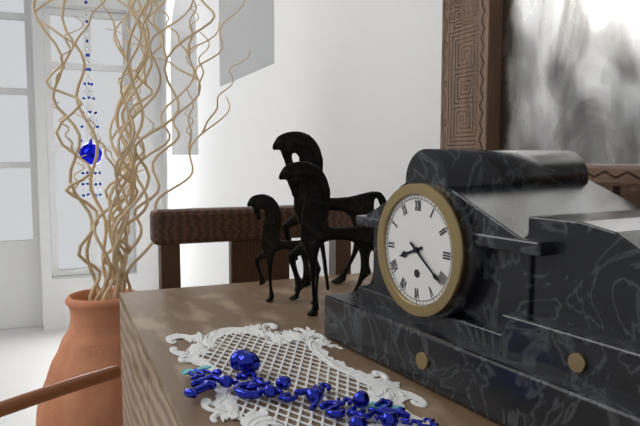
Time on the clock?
8:21
